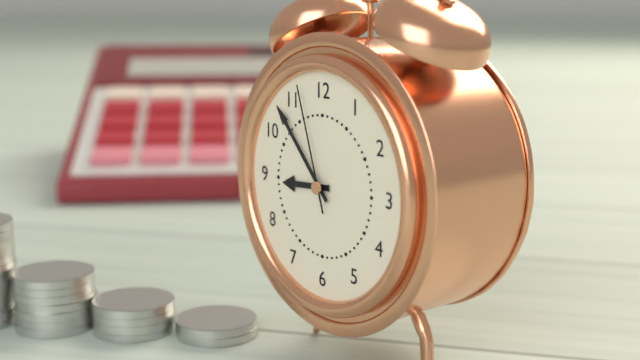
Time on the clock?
8:53:57
